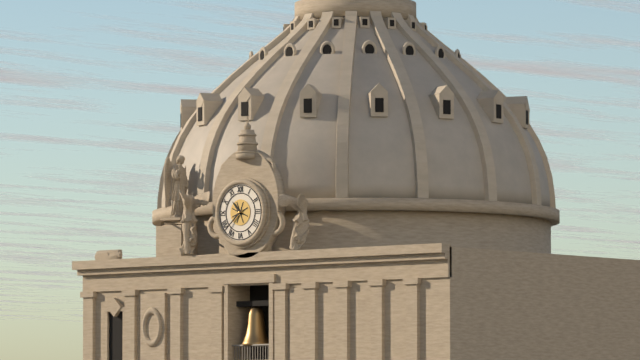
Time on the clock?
10:38
